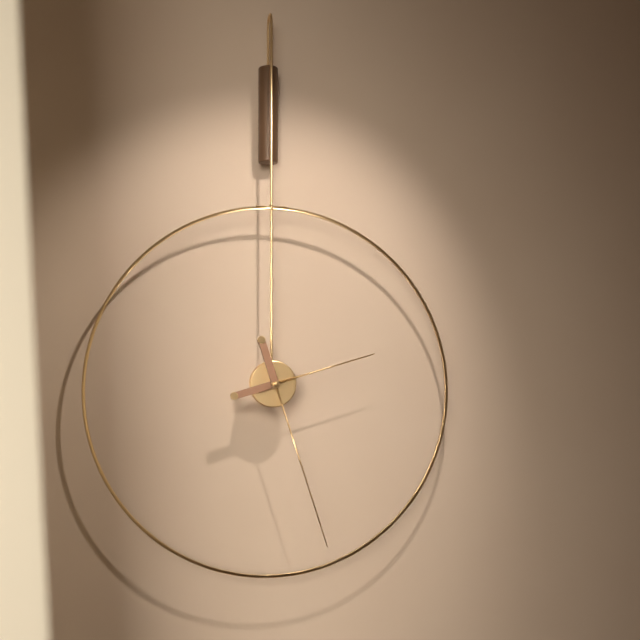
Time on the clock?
2:27
